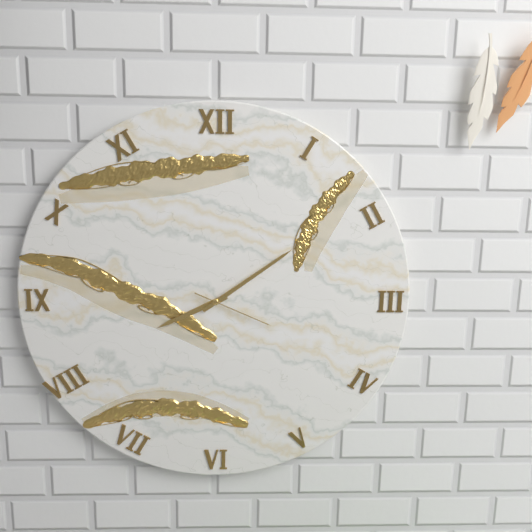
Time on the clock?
8:09:19
